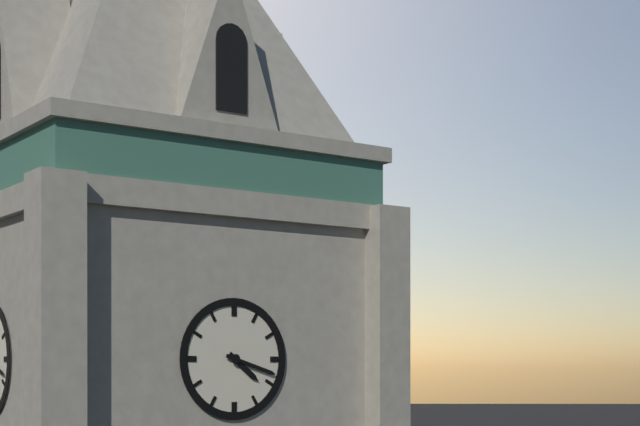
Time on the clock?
4:18
